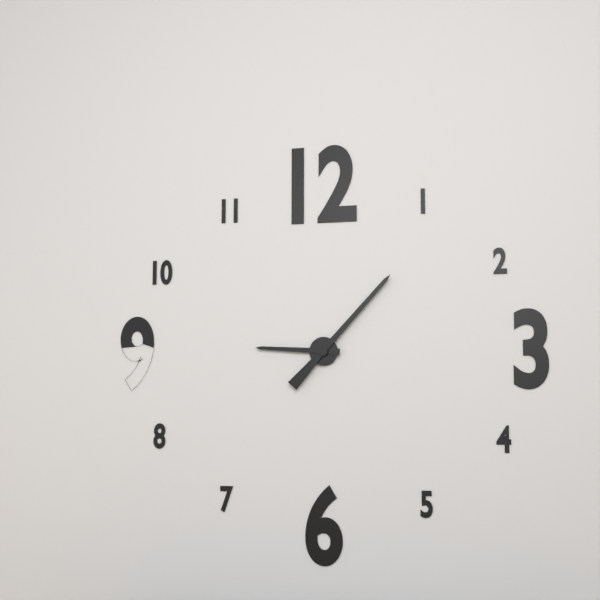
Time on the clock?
9:07
